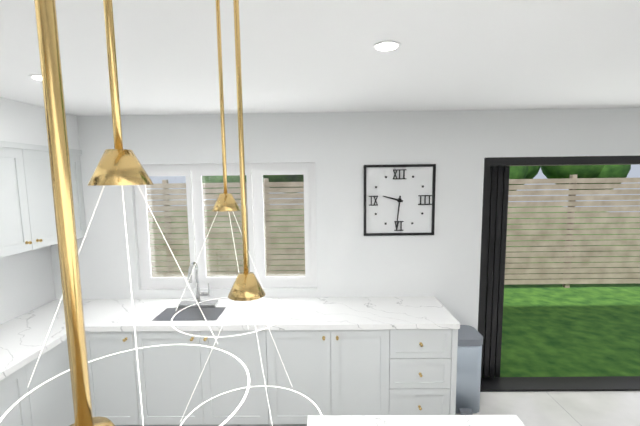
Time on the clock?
9:31
